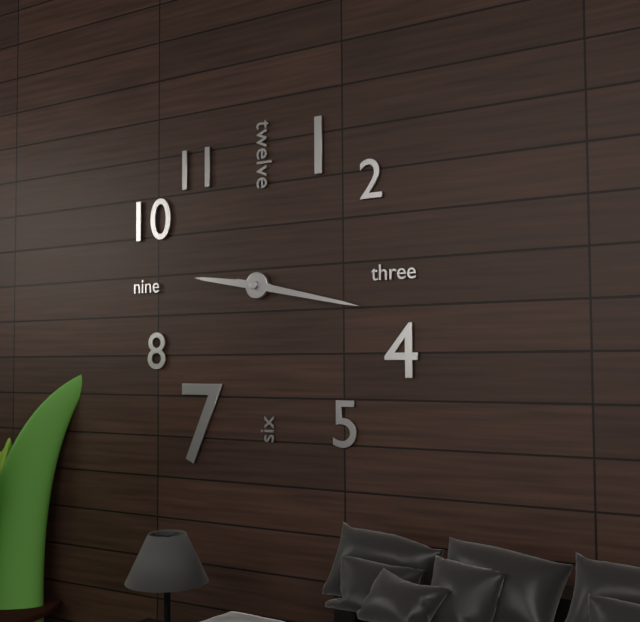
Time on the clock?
9:17
